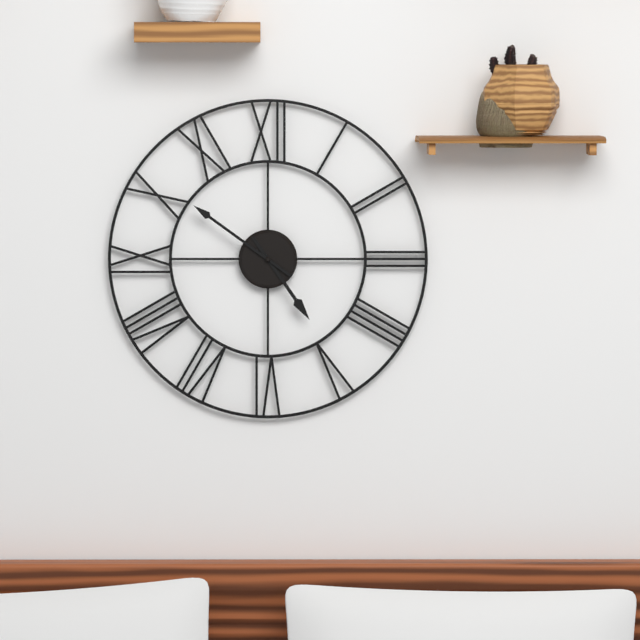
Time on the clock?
4:51
